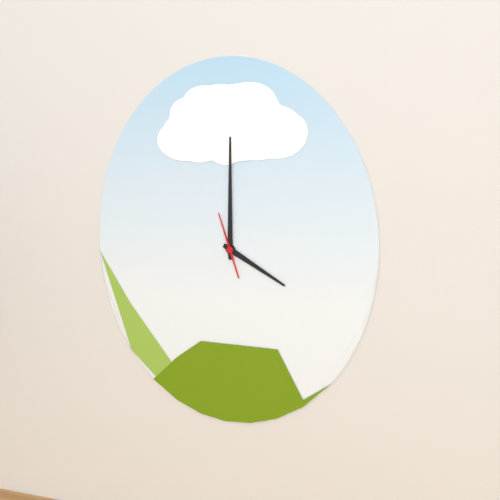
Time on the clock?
4:00
